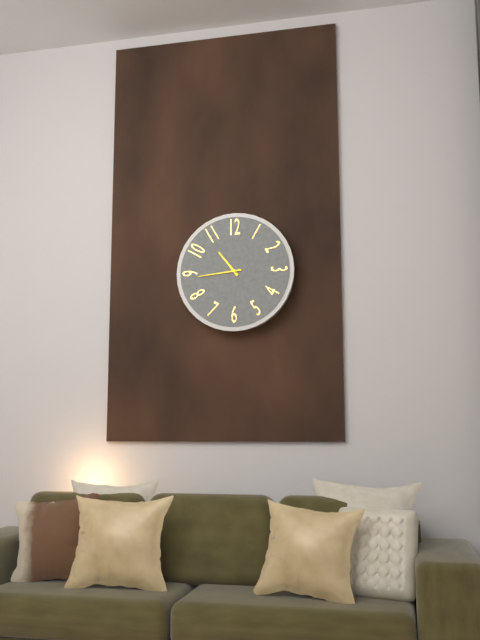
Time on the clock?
10:44
